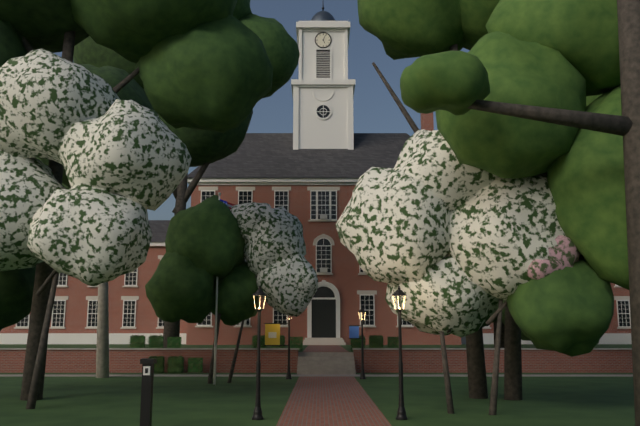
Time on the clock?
5:04
